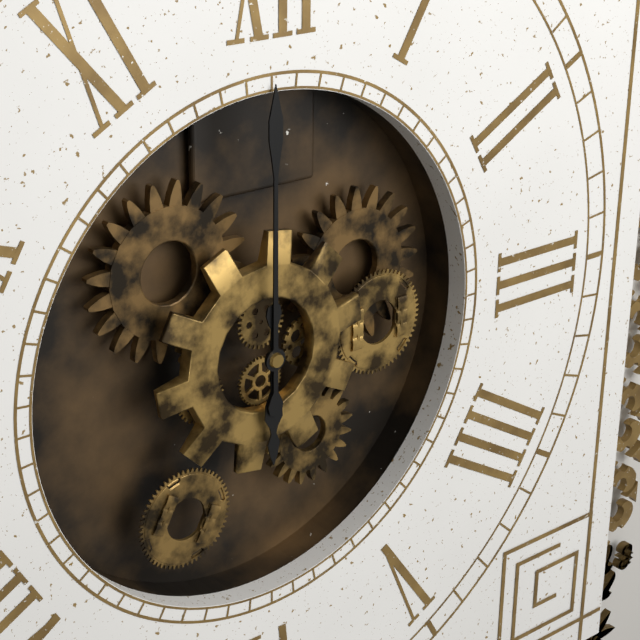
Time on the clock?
6:00
